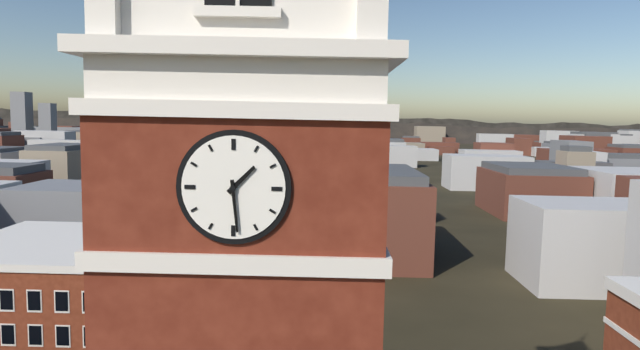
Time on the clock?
1:29
